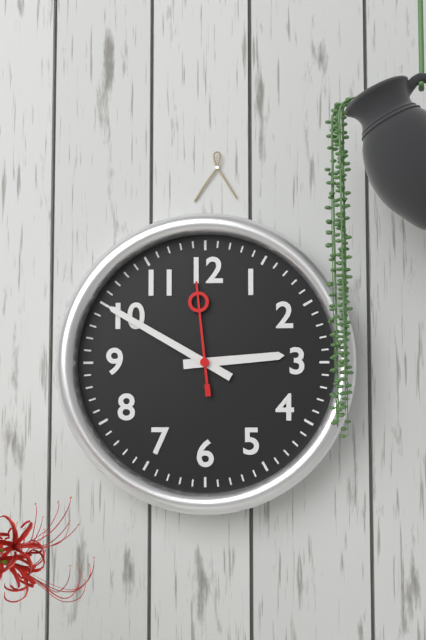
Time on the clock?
2:50:59
